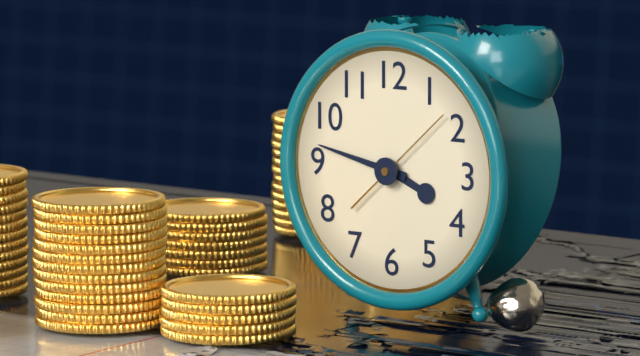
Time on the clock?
3:47:08
